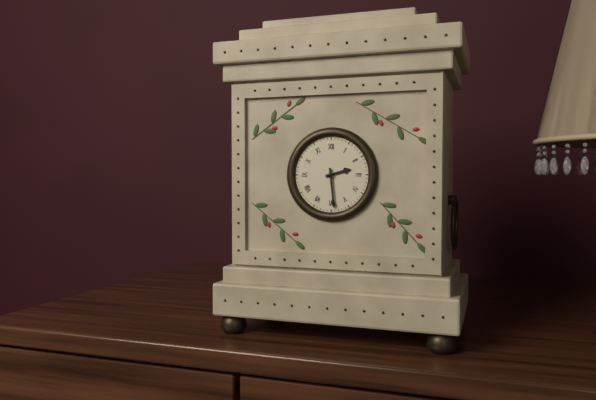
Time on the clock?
2:29
